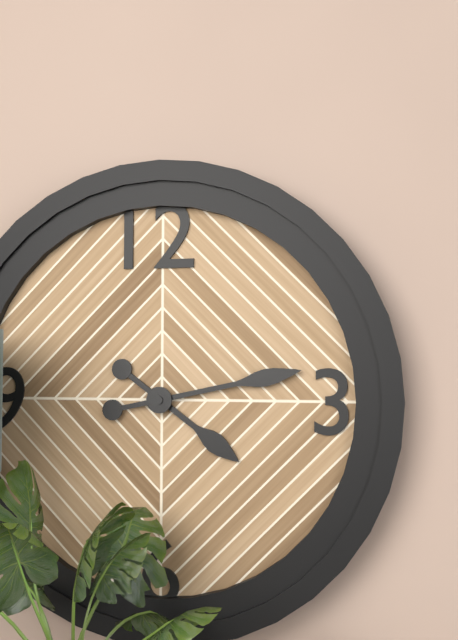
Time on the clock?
4:13
